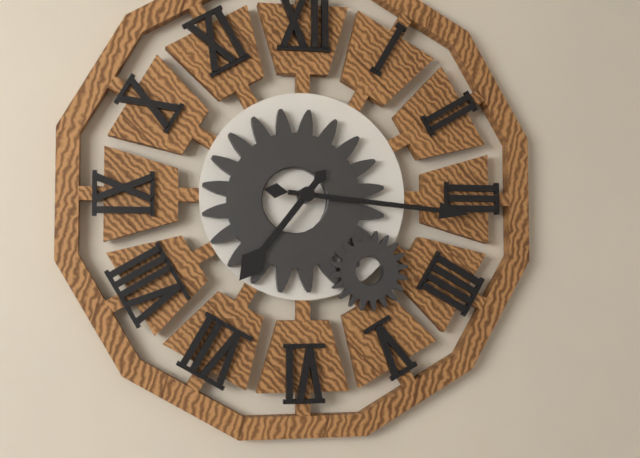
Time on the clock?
7:16
